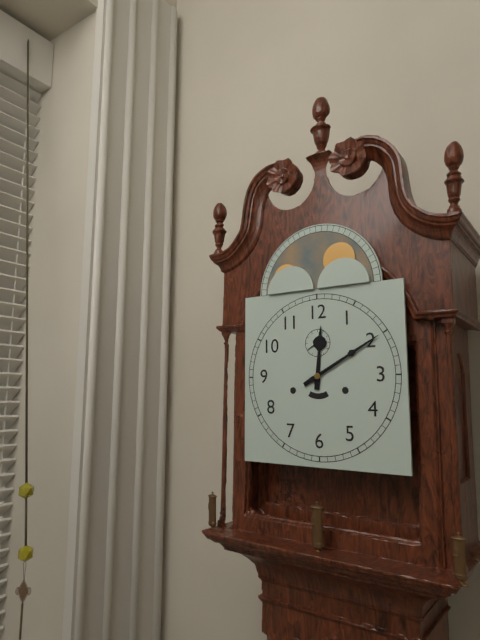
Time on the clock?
12:10
